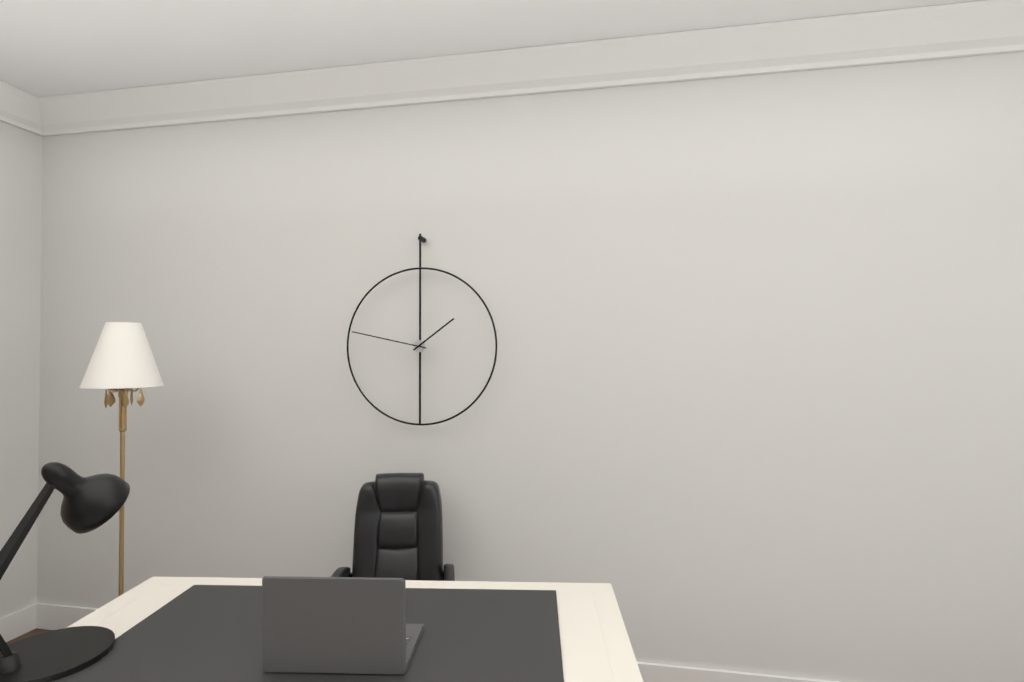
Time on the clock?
1:47
